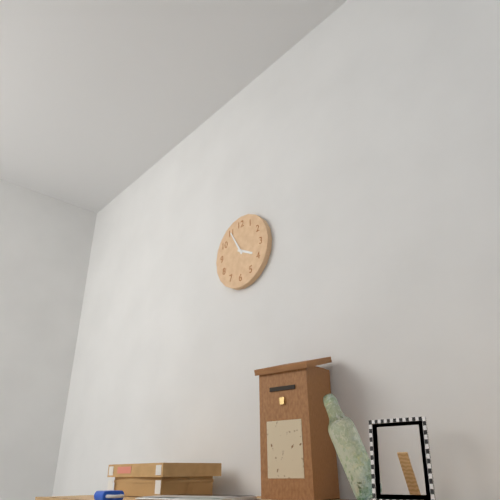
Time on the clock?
3:55
